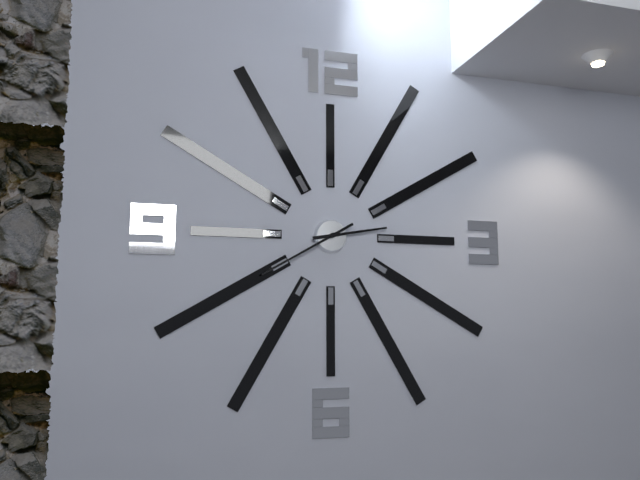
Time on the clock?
2:40
